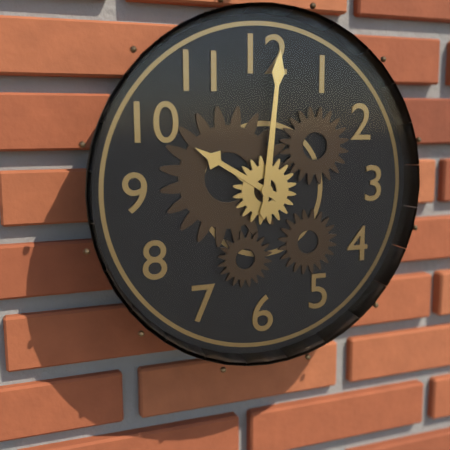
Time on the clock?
10:01
